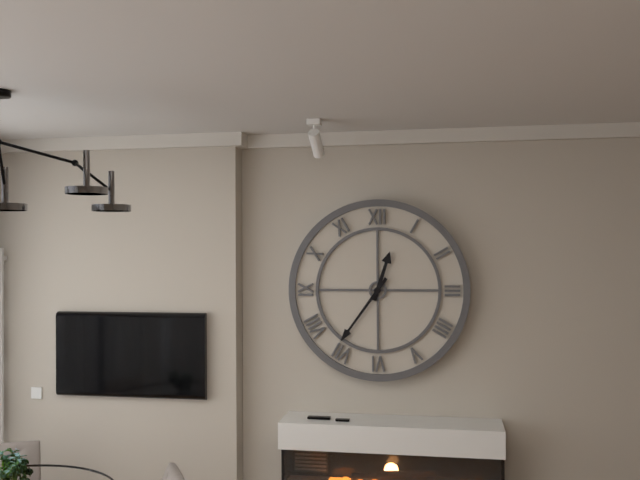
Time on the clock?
12:36
